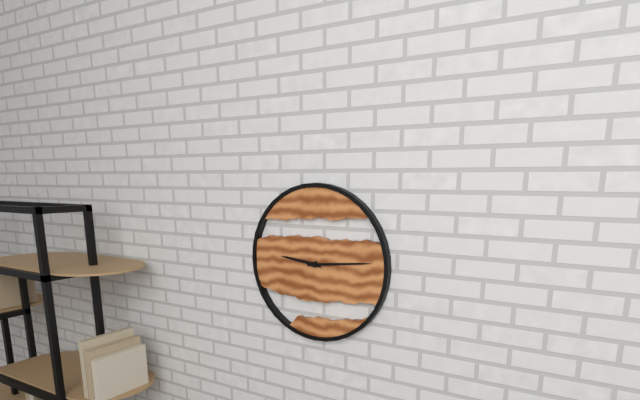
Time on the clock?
9:14
